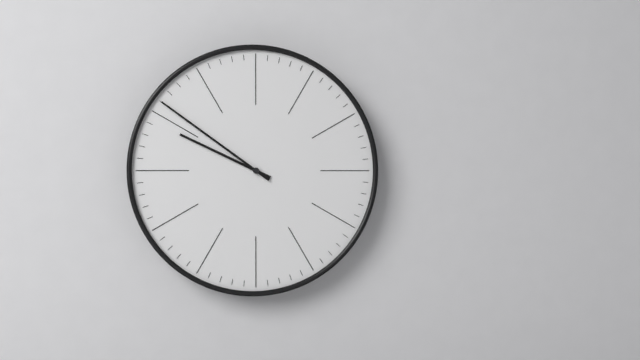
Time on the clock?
9:51
